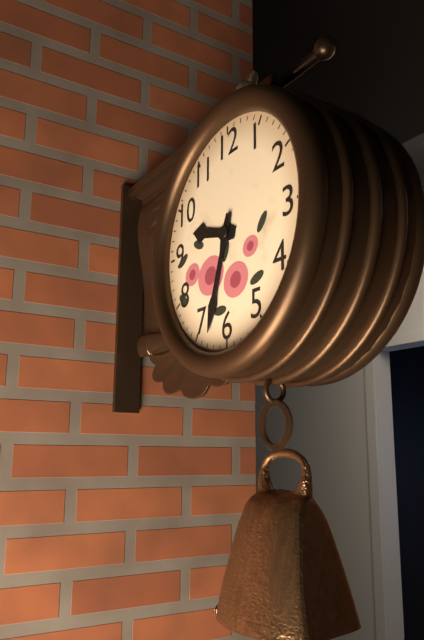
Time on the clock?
9:33
